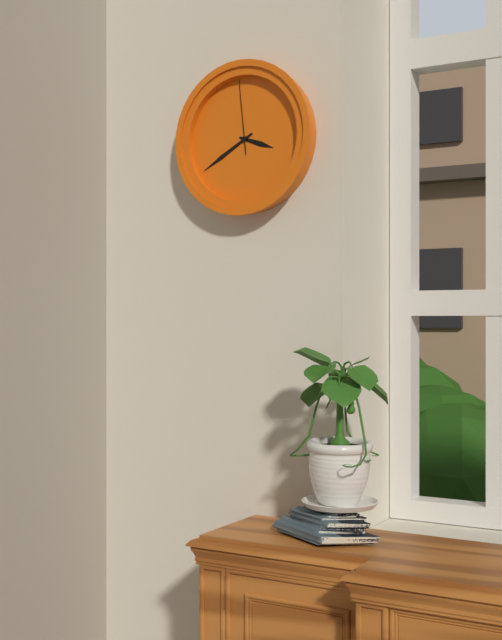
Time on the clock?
3:40:59
